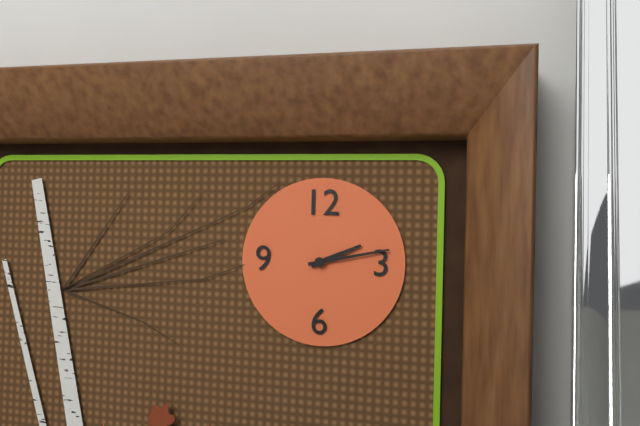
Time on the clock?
2:13
